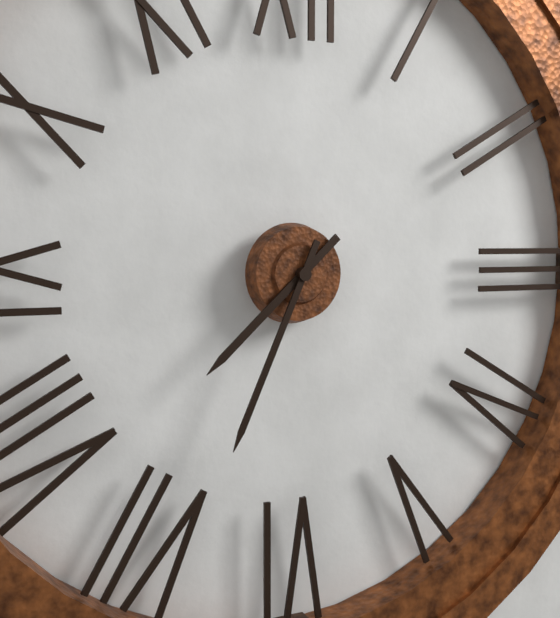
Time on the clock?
7:34
